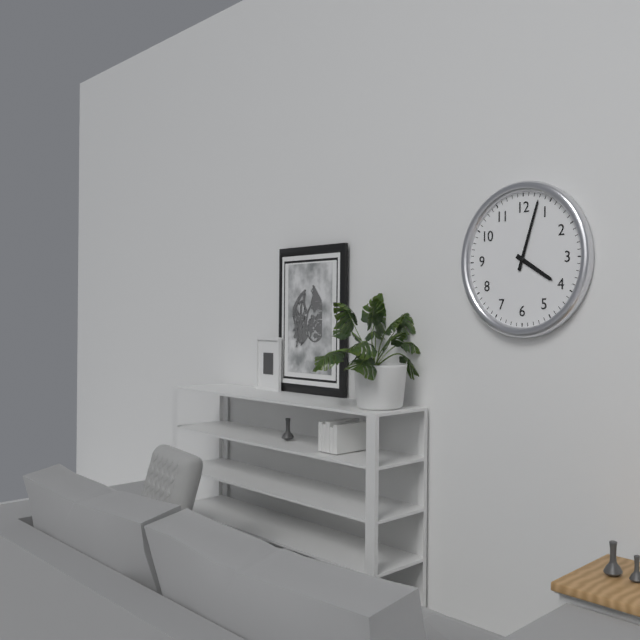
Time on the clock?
4:03
